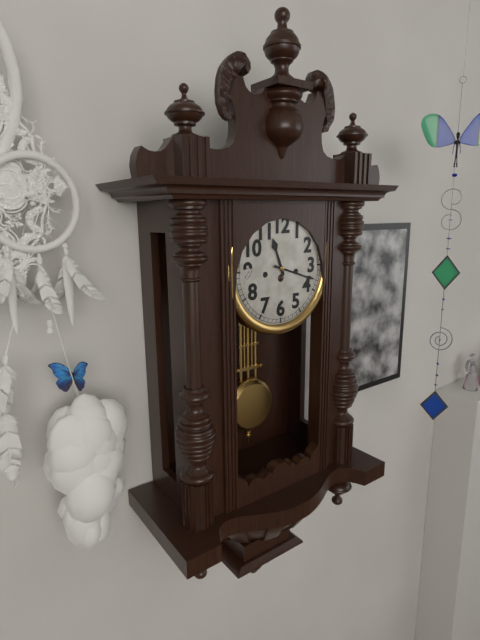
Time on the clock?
11:18
